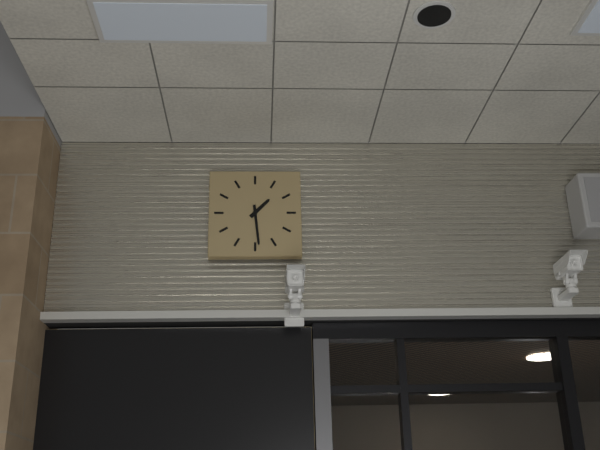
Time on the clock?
1:29
